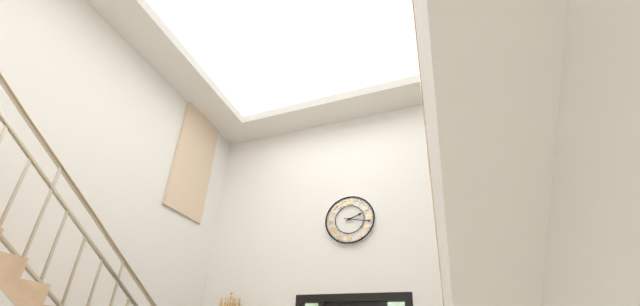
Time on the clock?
2:17
